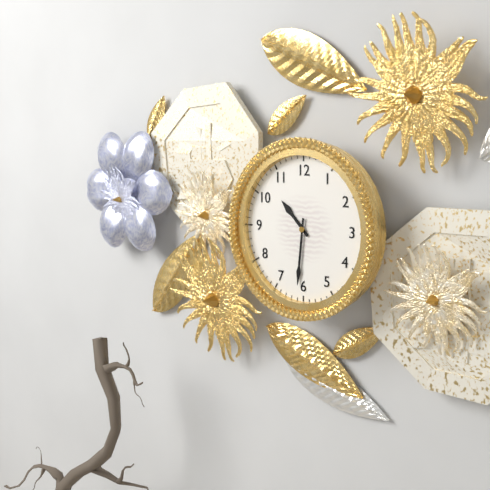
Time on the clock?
10:31
